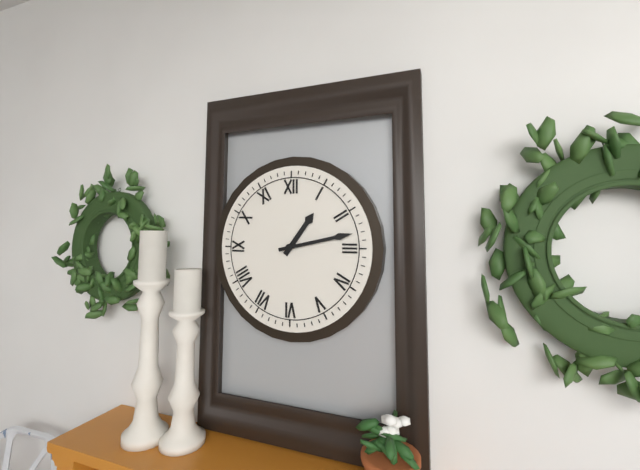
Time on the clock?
1:13
